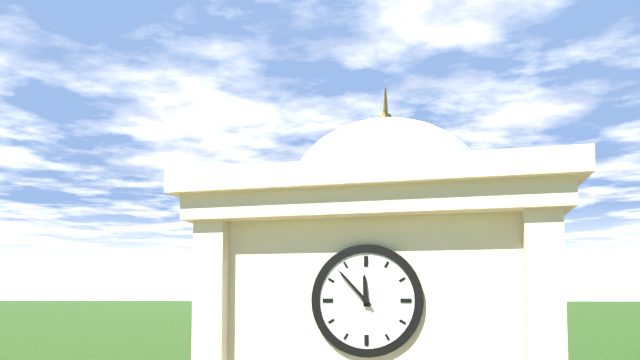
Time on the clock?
11:53
